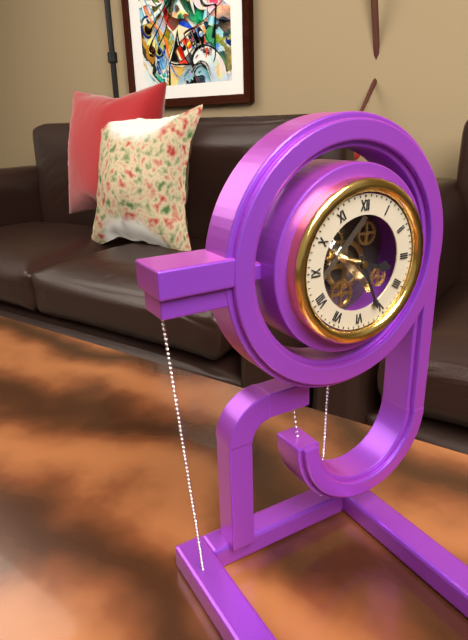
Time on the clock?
3:26
